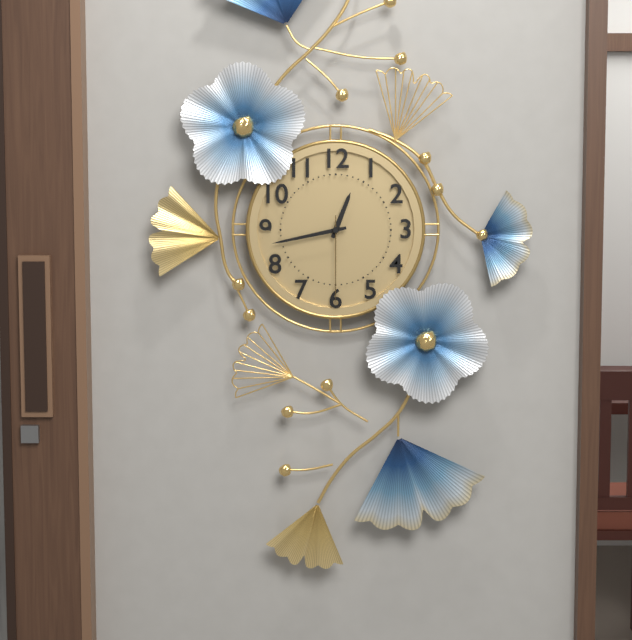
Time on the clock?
12:43:30
